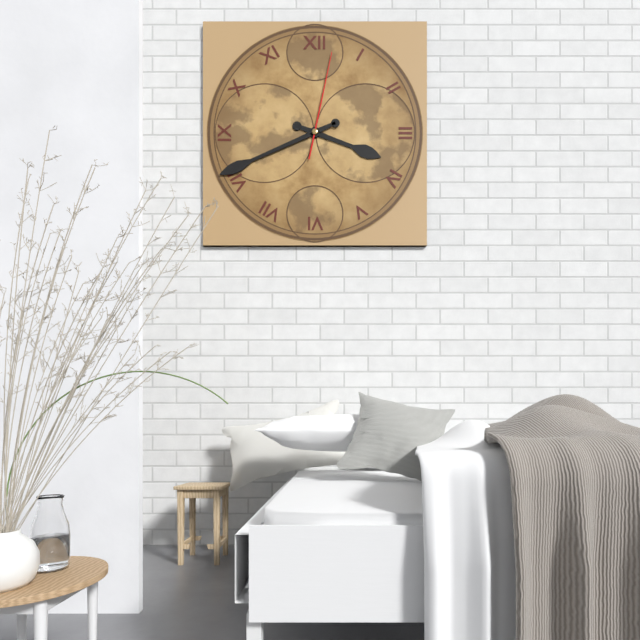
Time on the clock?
3:41:02
